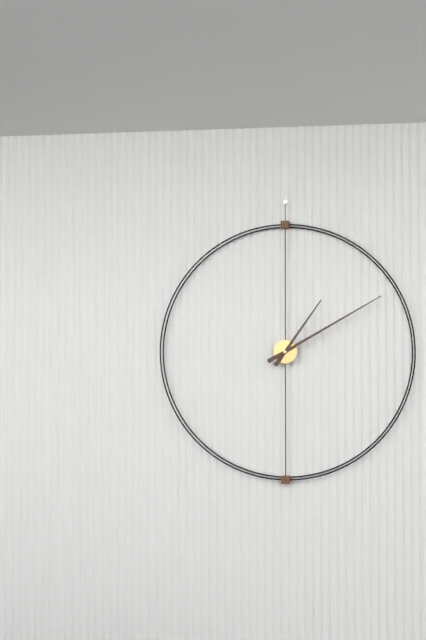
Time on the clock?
1:10
